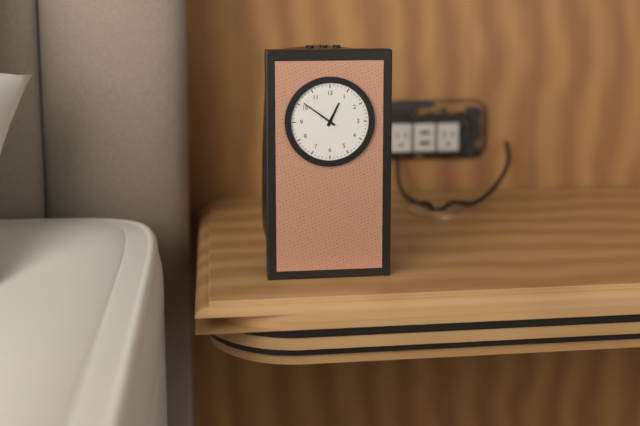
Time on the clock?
12:51
